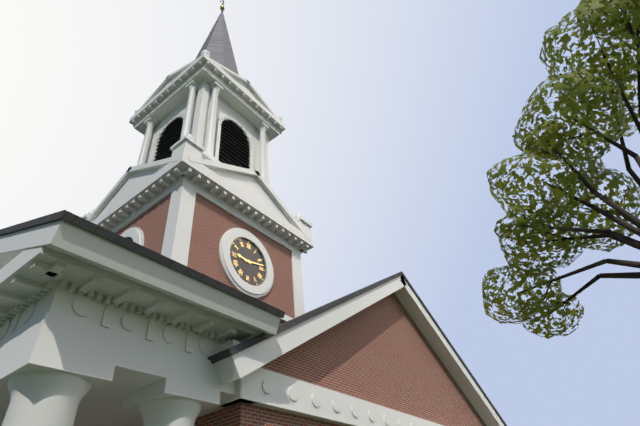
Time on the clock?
9:13
